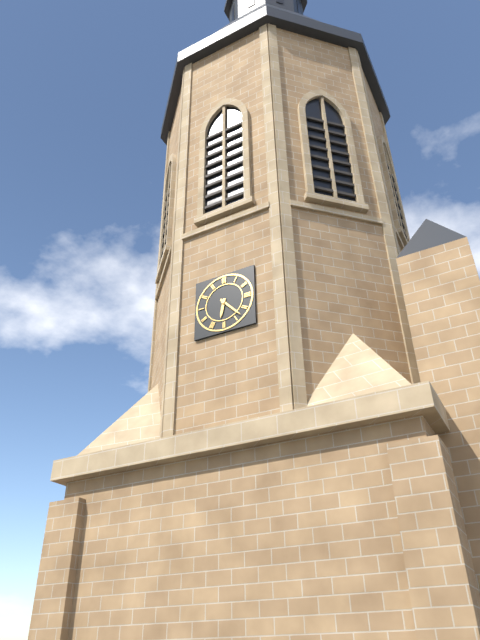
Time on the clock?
6:23
